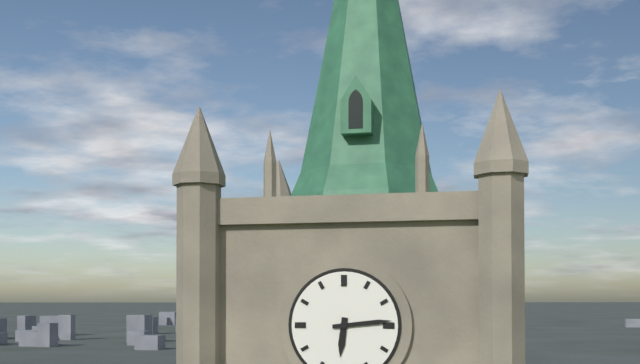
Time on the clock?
6:14
